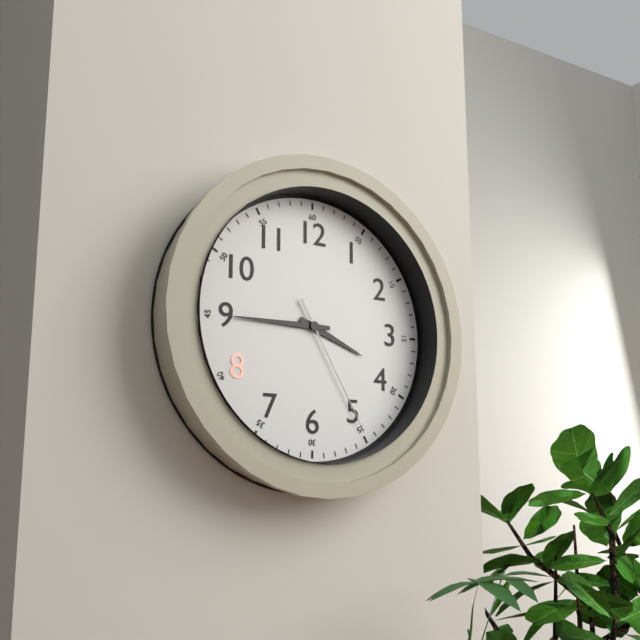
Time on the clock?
3:45:25
